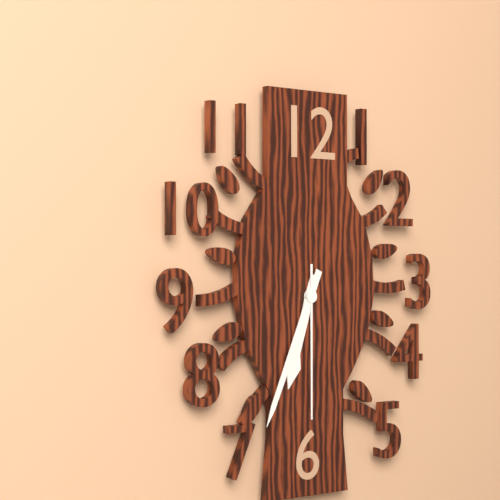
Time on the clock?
6:34:30
